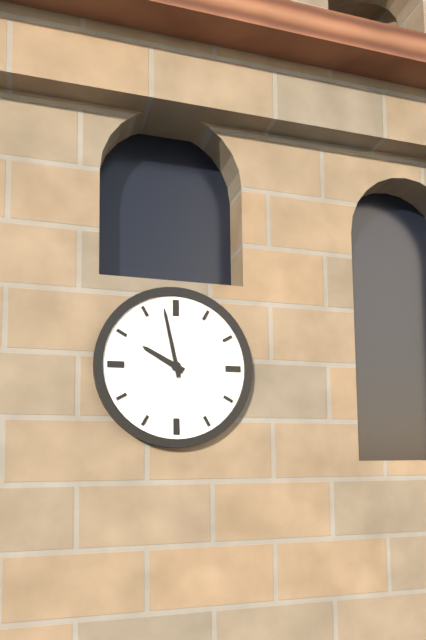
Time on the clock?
9:58
